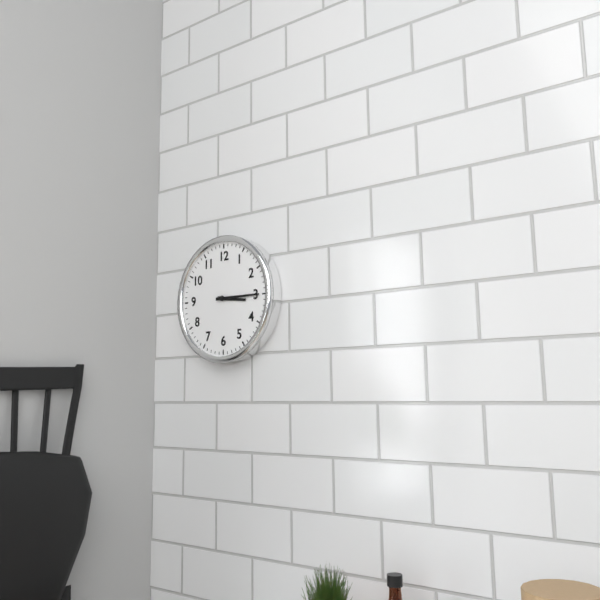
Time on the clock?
3:15
